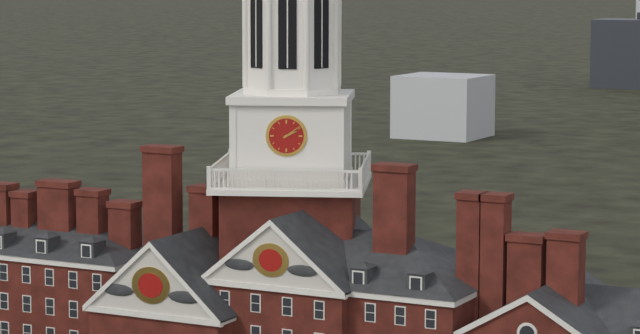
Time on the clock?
2:09
